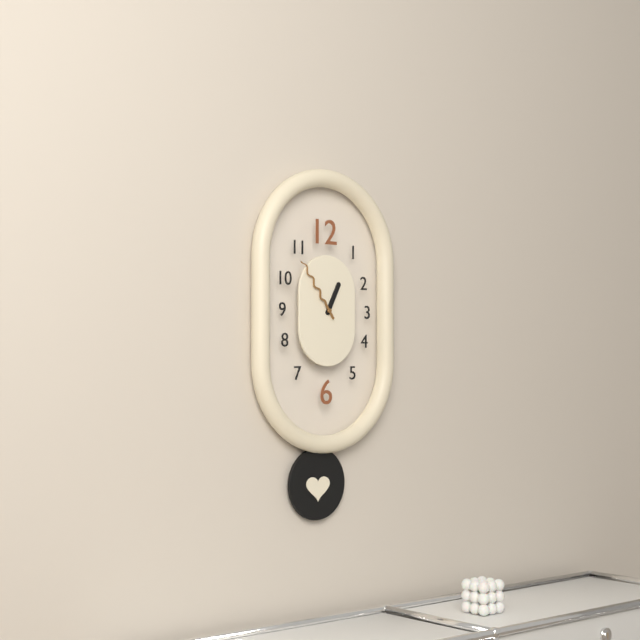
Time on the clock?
12:54
